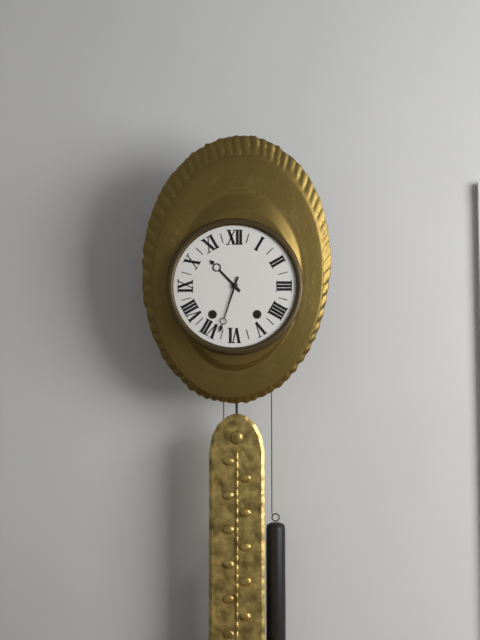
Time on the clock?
10:33
